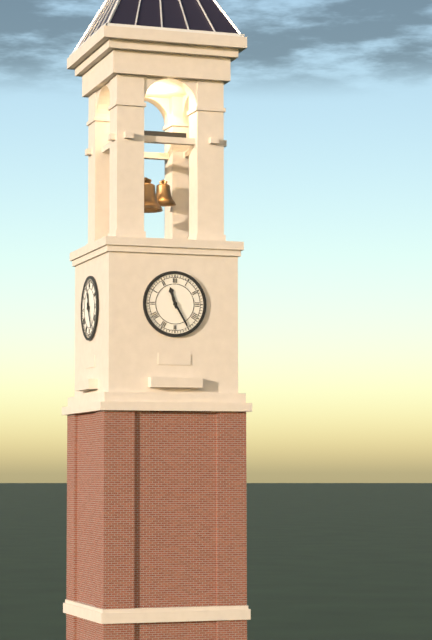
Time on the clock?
11:25
